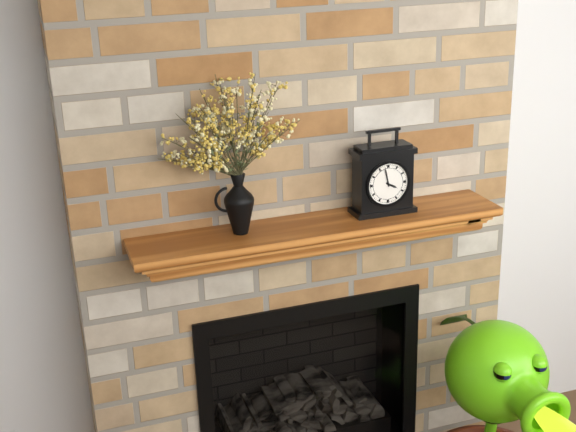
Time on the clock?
3:58
